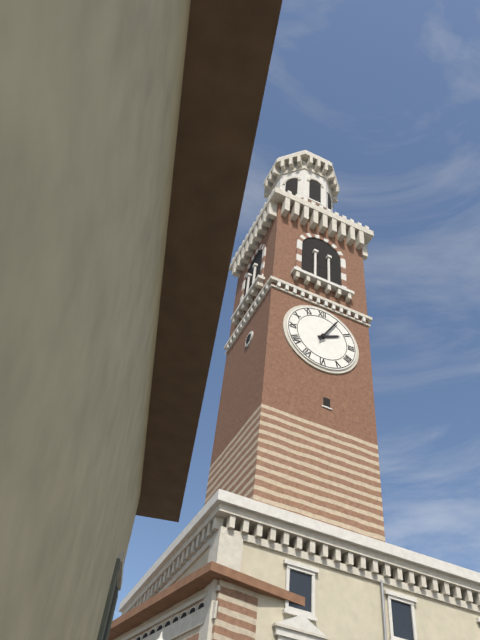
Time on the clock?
2:05
